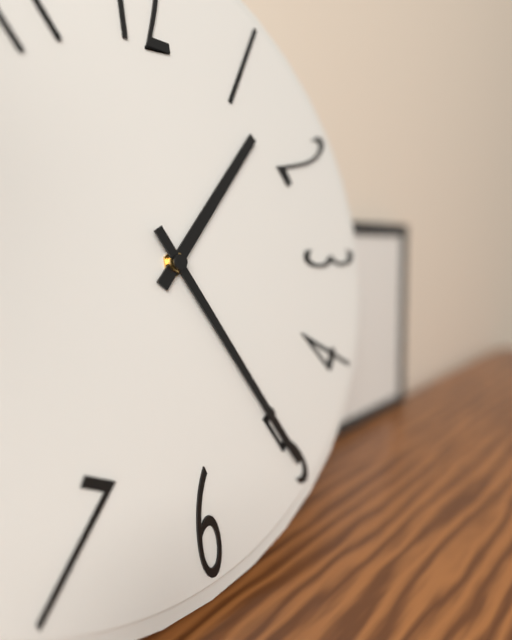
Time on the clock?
1:25
